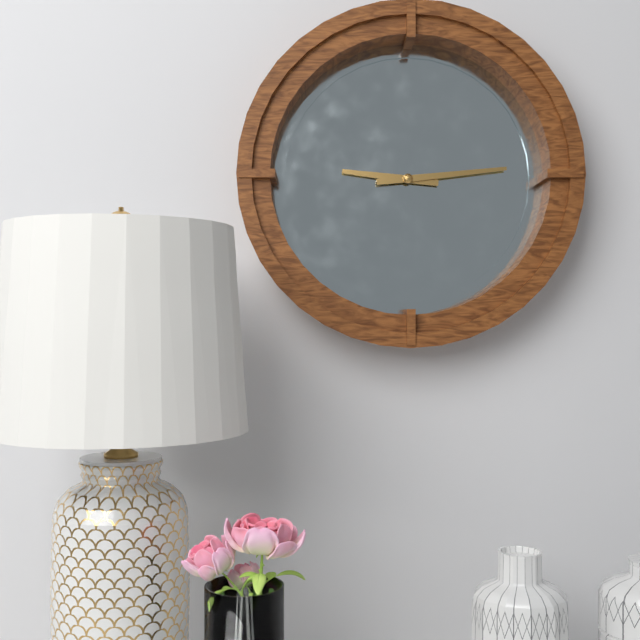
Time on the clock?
9:14
